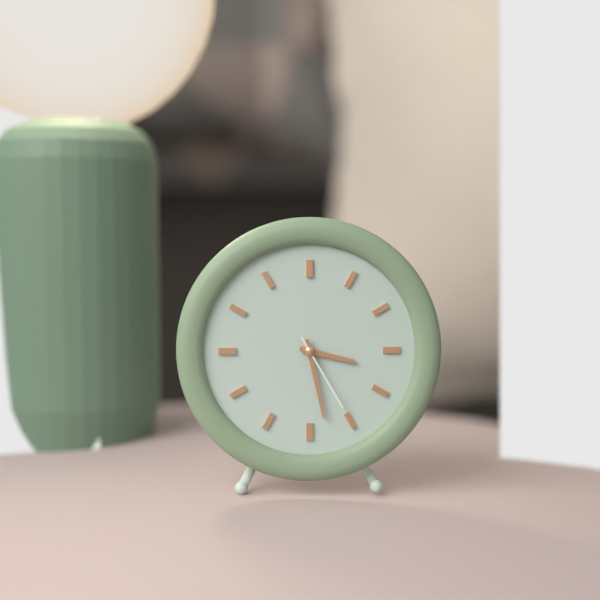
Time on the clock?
3:28:25
